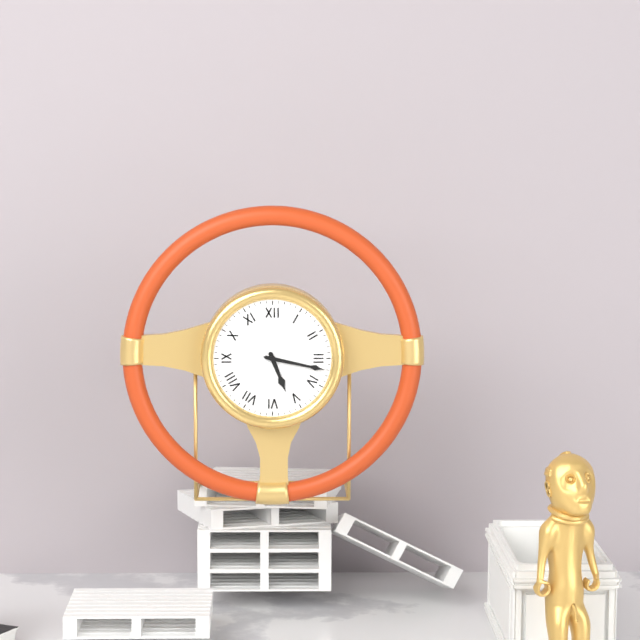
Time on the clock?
5:17
